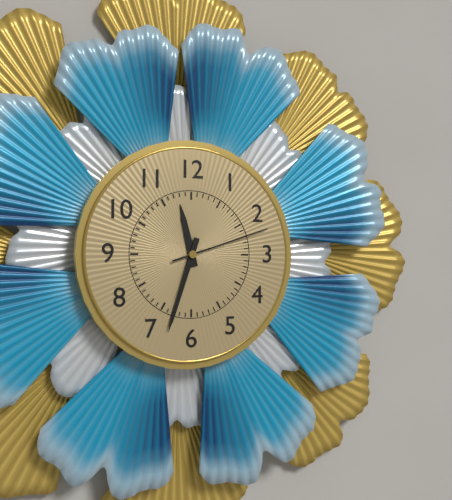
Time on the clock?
11:33:12
